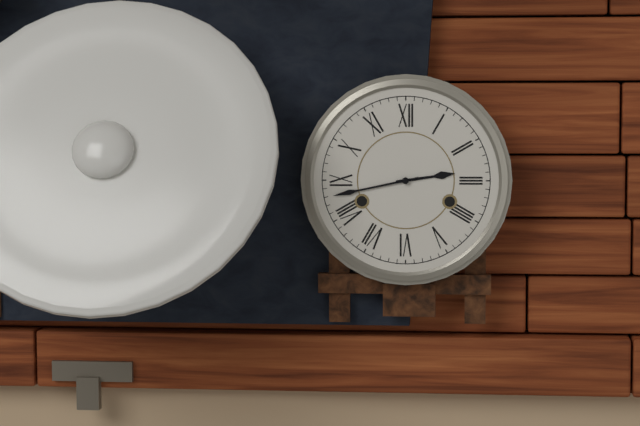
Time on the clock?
2:43
